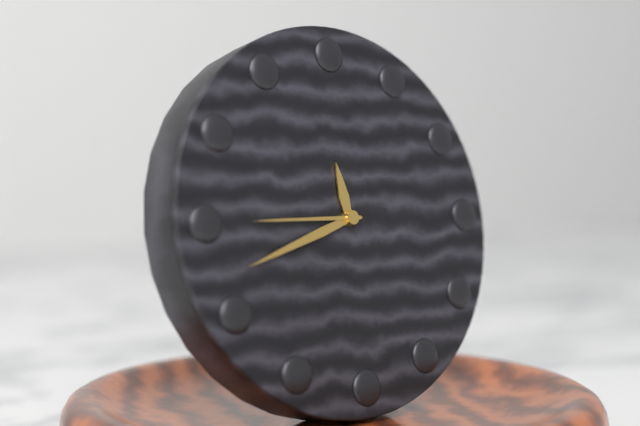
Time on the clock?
11:42:45
